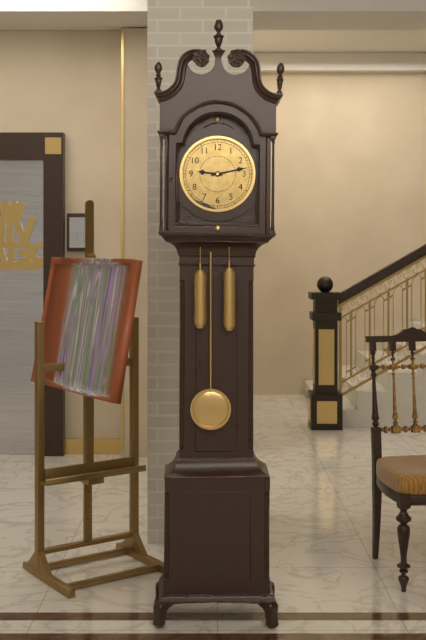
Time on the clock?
9:13
